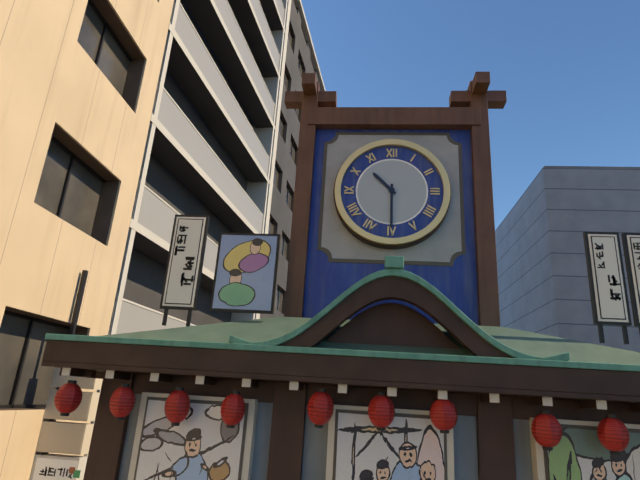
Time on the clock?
10:30
